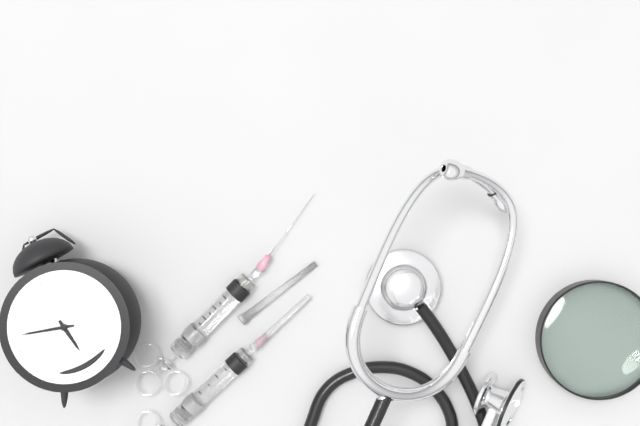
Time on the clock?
5:48
